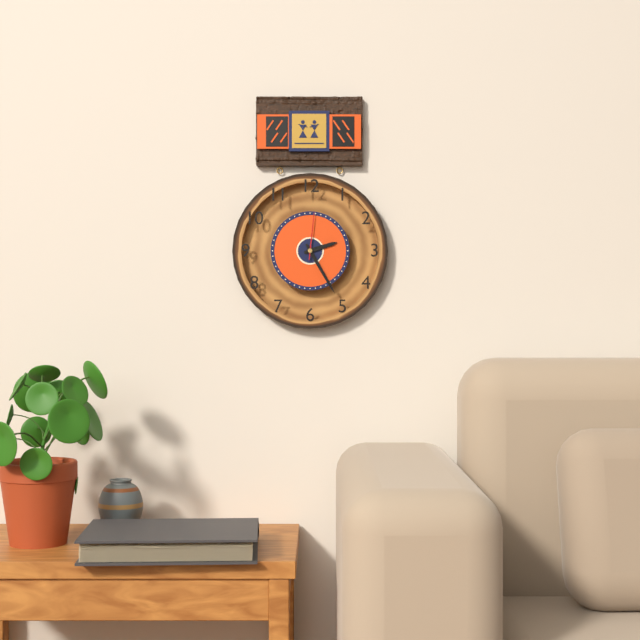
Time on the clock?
2:25
